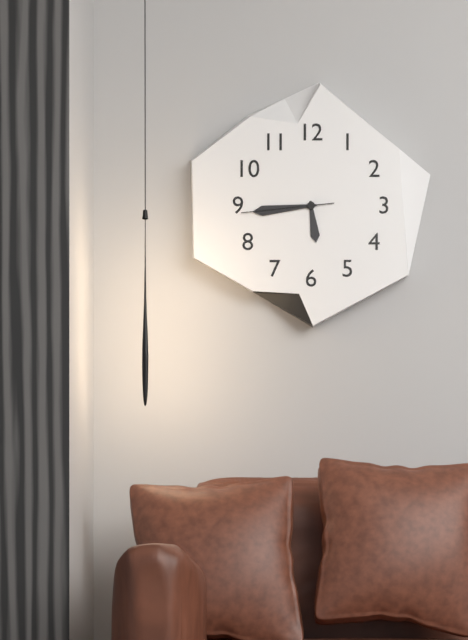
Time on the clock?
5:44:44
